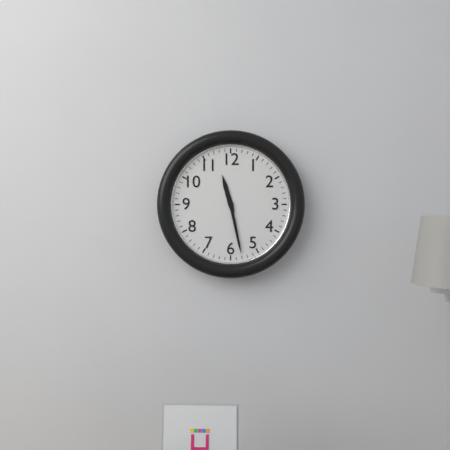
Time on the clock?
11:28
